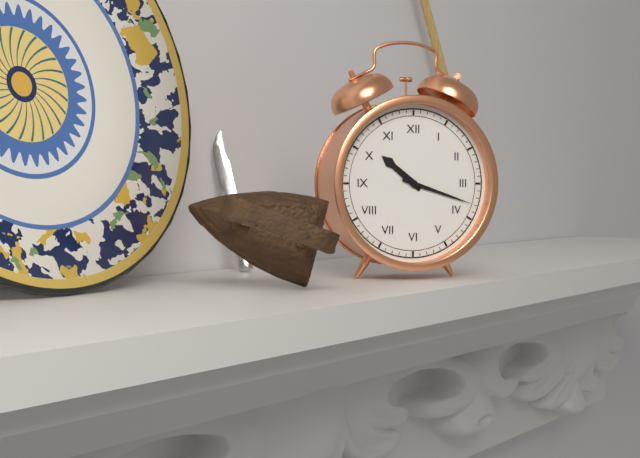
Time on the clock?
10:18
